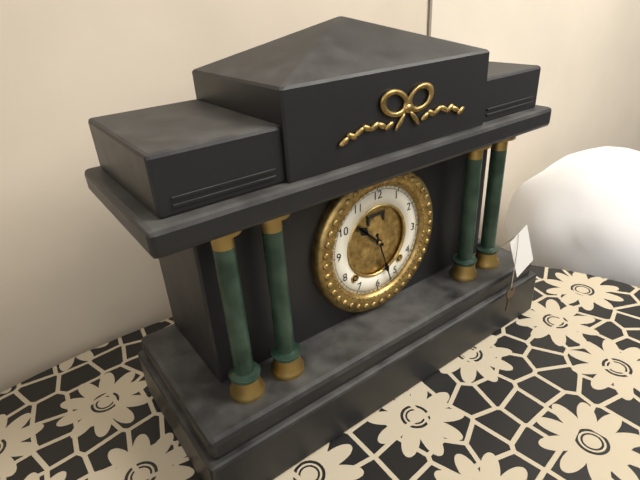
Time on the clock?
10:27
